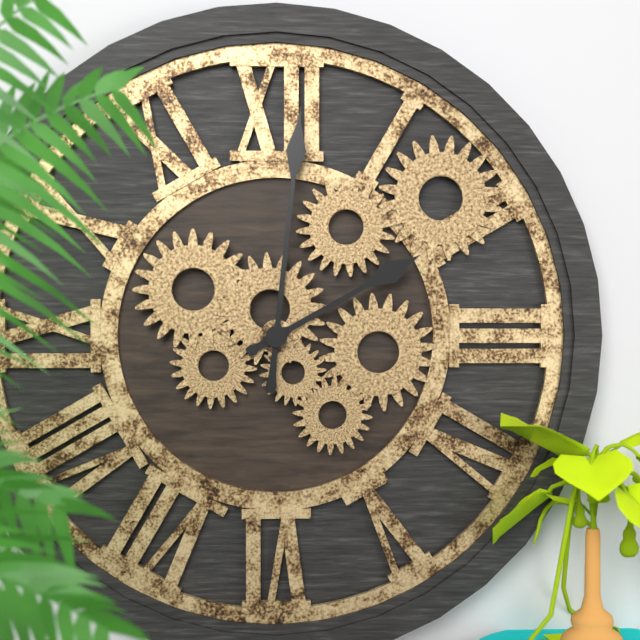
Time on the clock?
2:01
